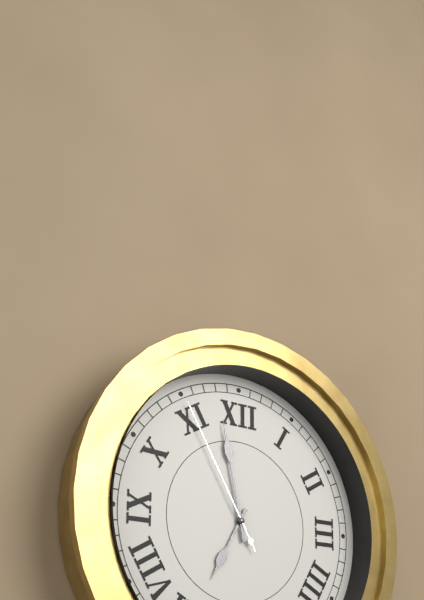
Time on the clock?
6:58:55
